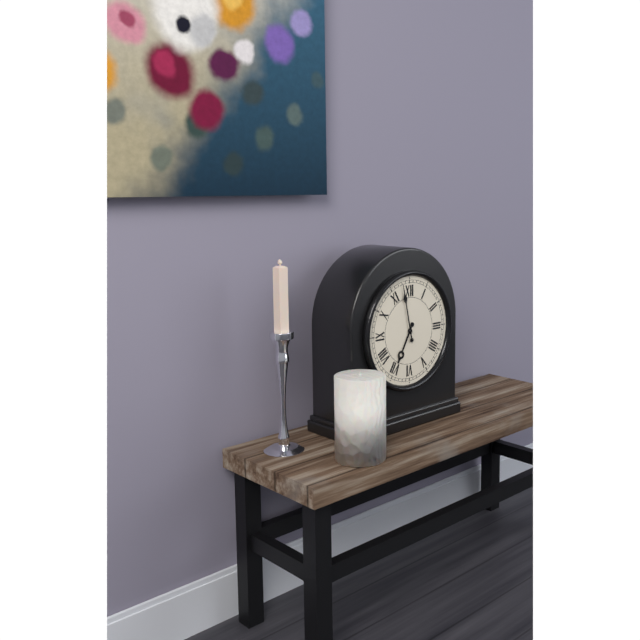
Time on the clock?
6:58
